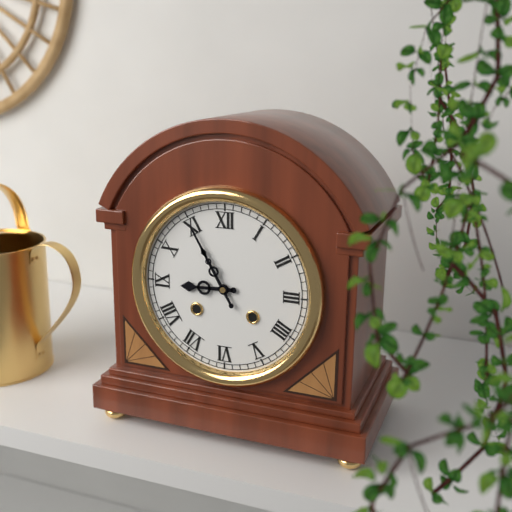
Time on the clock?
8:55
